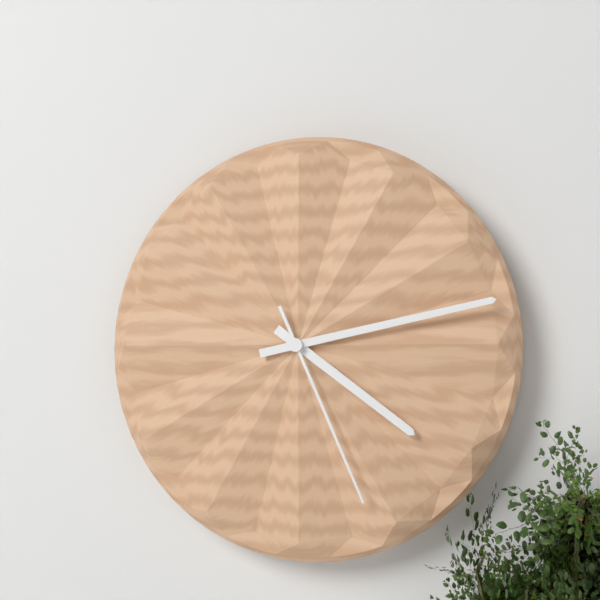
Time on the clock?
4:13:26
